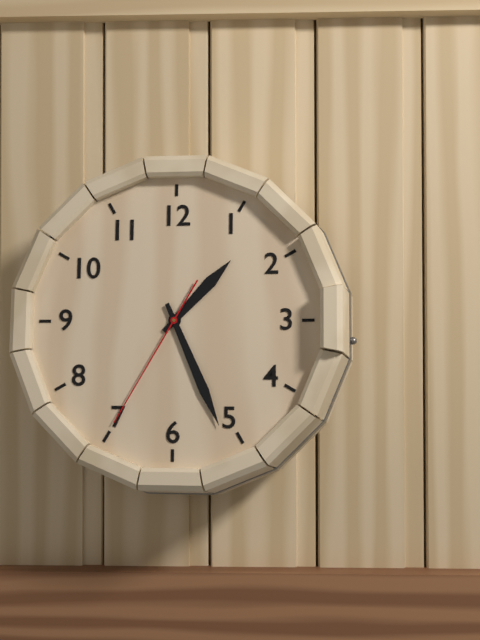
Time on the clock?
1:26:35
